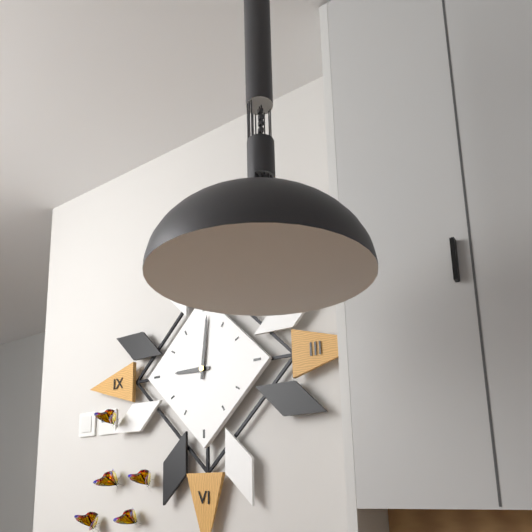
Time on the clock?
9:01
